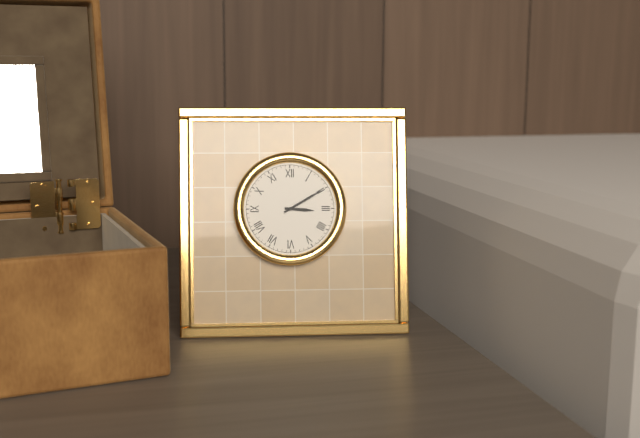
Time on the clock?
3:10
